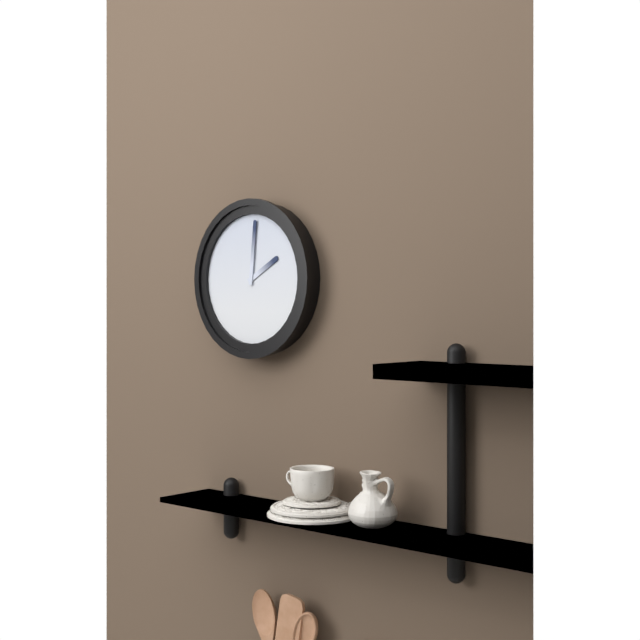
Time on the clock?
2:01
